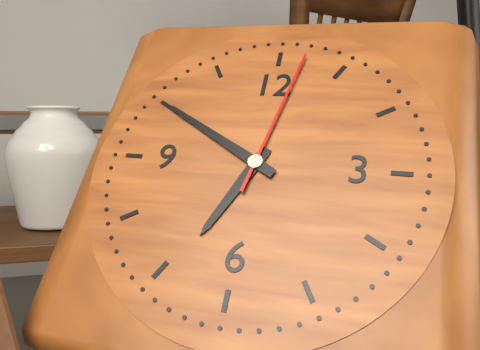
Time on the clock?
6:50:02
